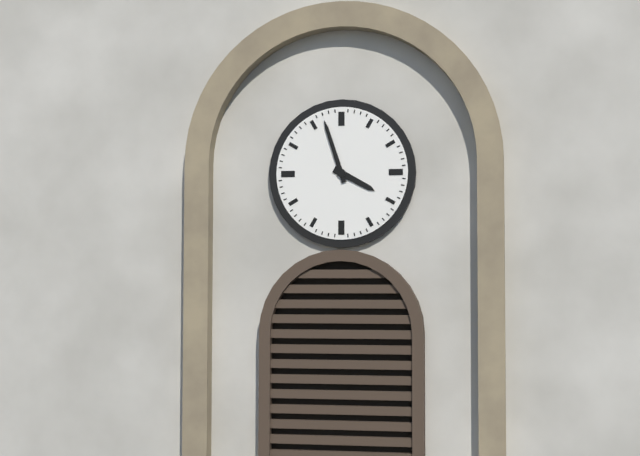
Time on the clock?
3:57
